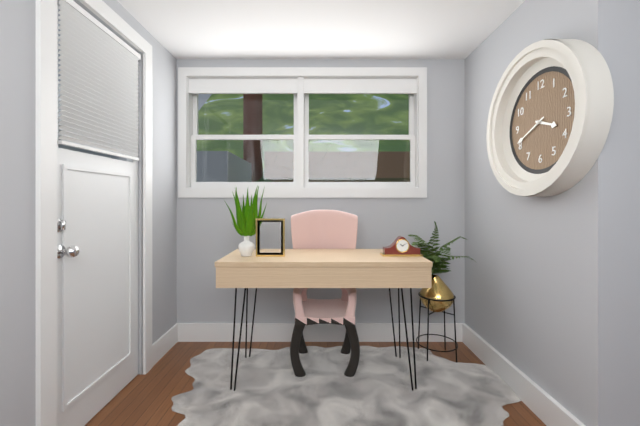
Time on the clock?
3:41
